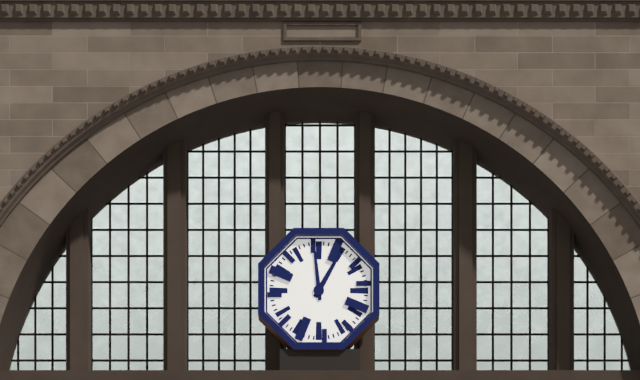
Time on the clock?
12:59
